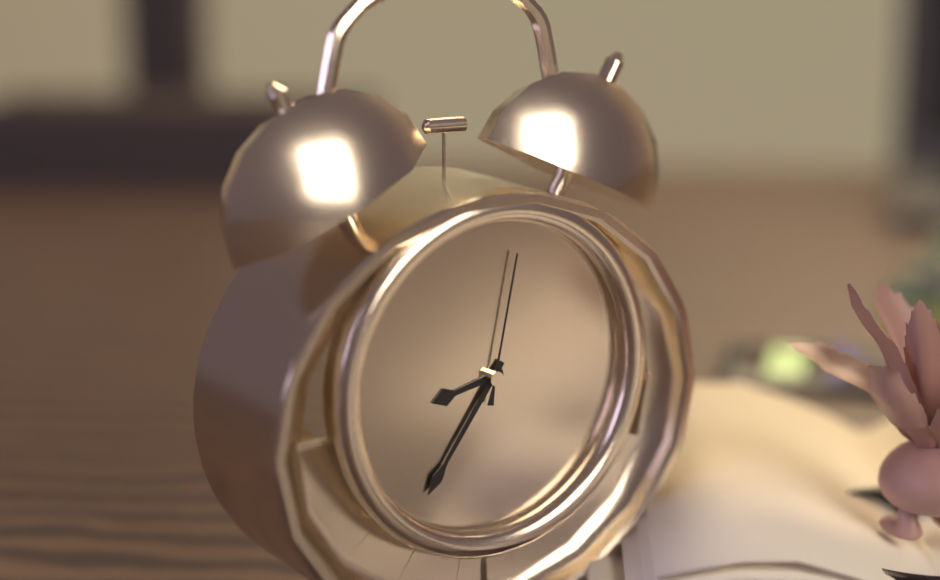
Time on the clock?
8:36:02
